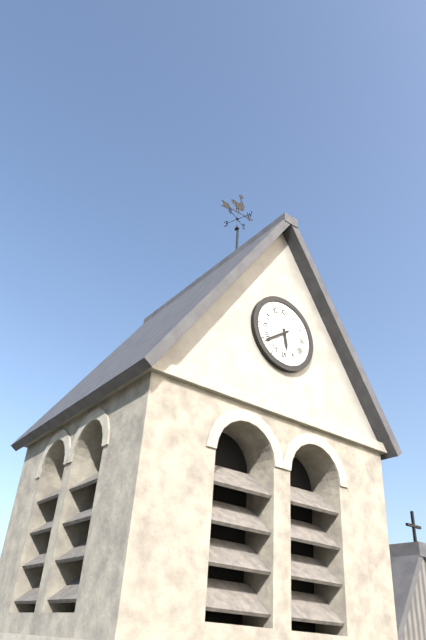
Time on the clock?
5:39
